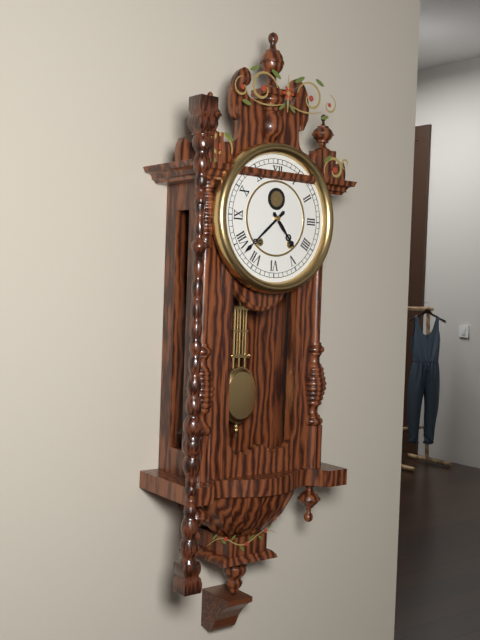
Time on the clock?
4:38
